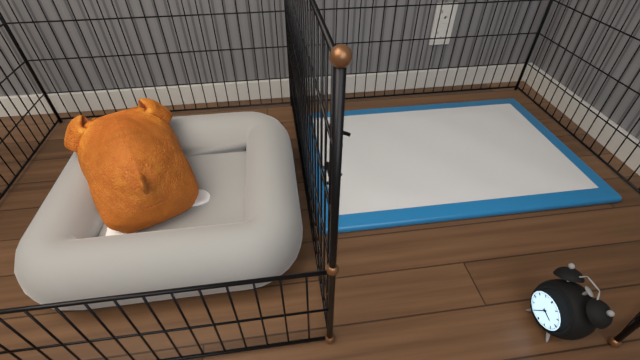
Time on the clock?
3:35
